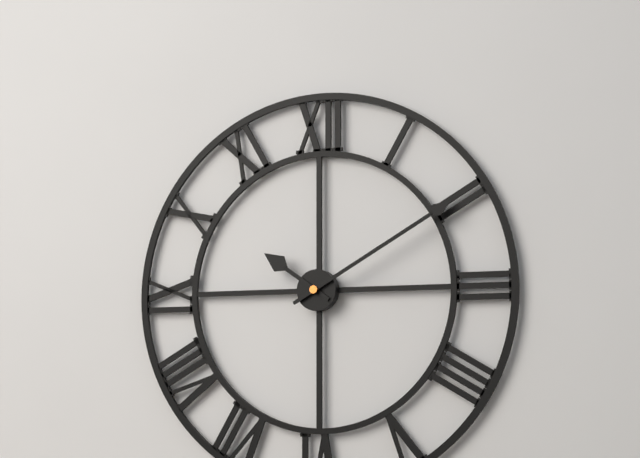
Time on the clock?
10:10
